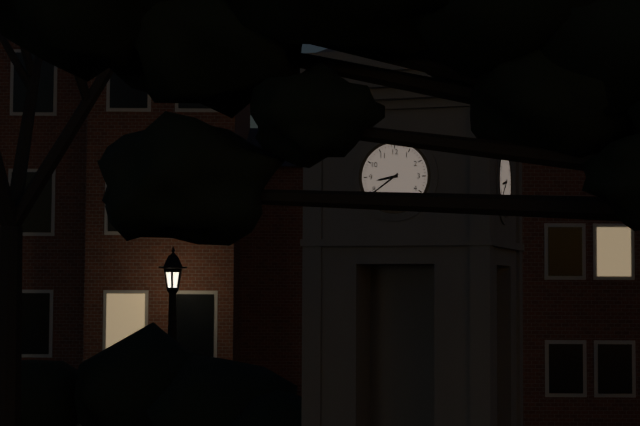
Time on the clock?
8:39
